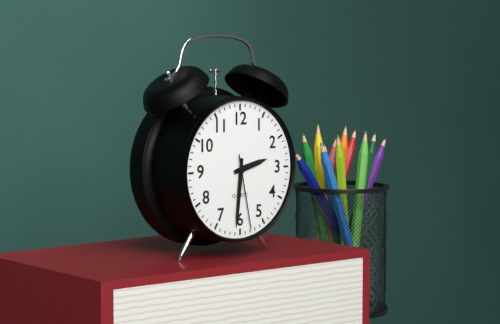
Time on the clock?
2:31:28
